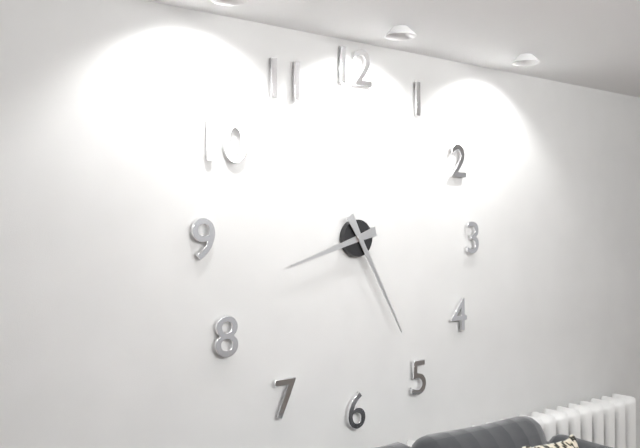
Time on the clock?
8:25
